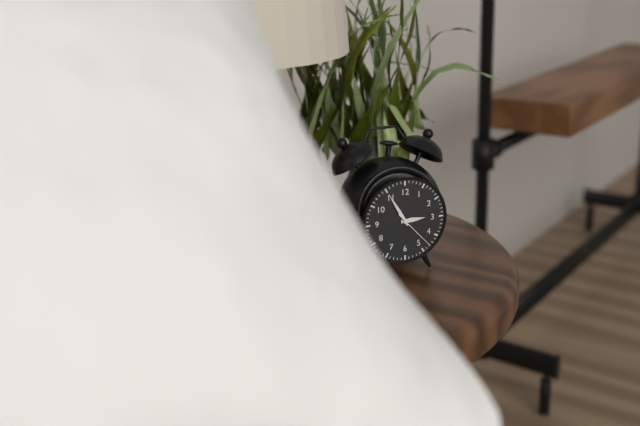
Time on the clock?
2:55
